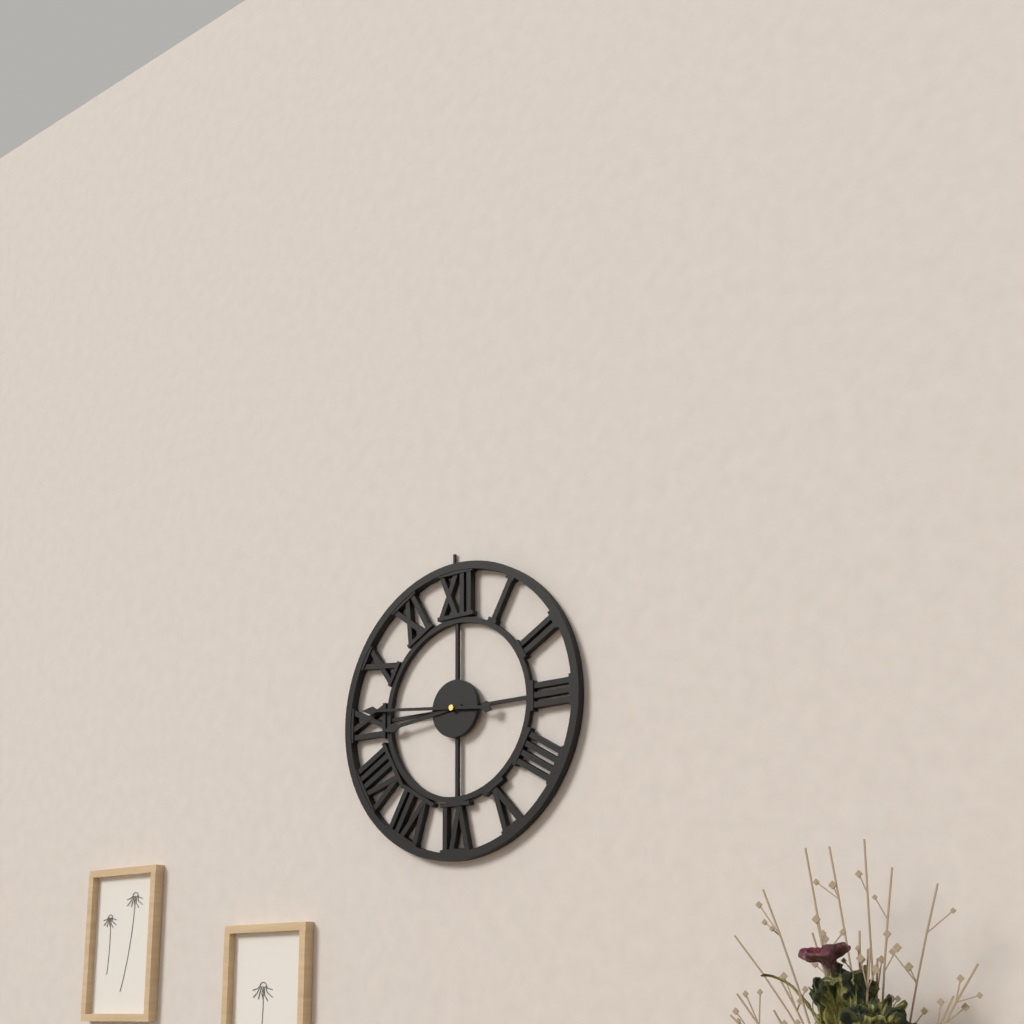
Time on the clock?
8:46
